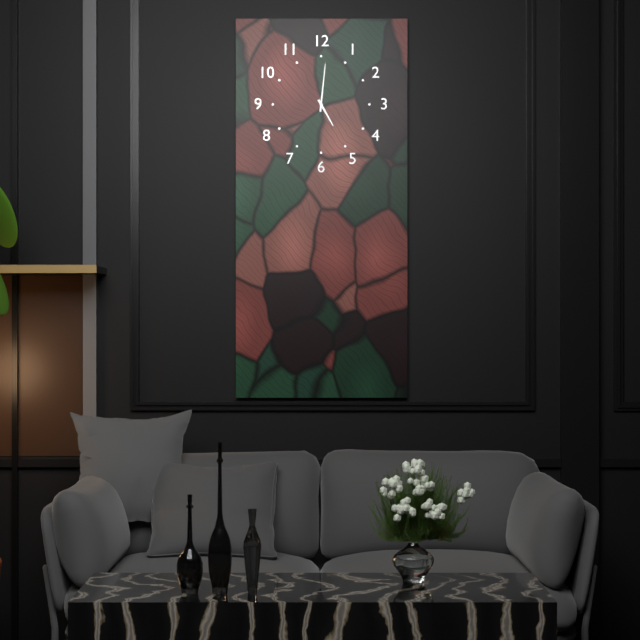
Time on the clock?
5:01
